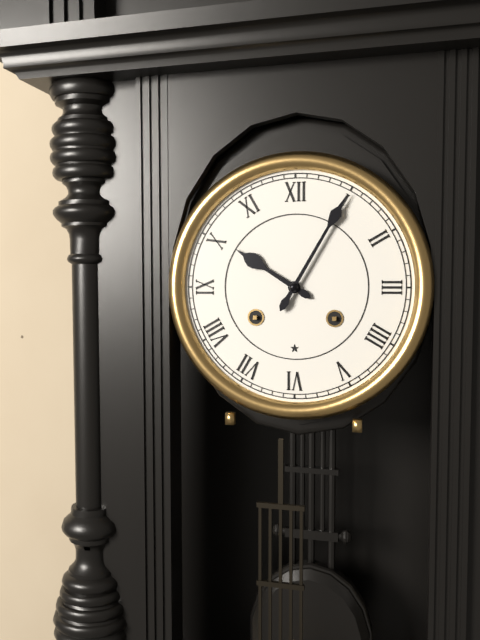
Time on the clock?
10:05
